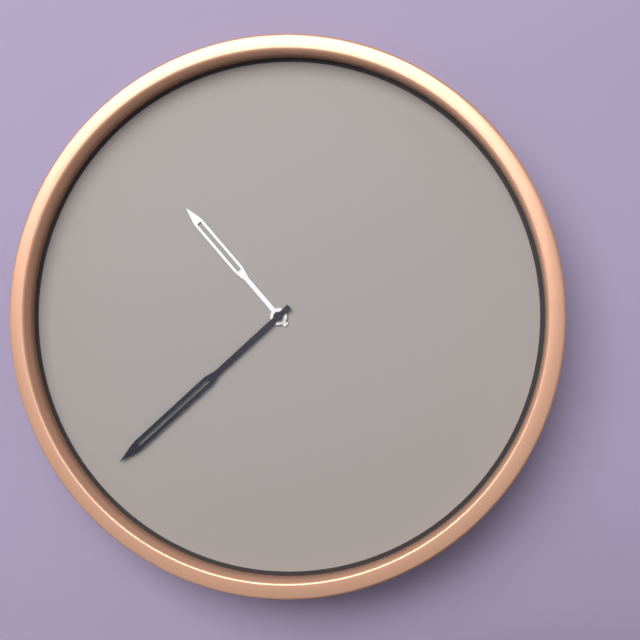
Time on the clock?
10:38
